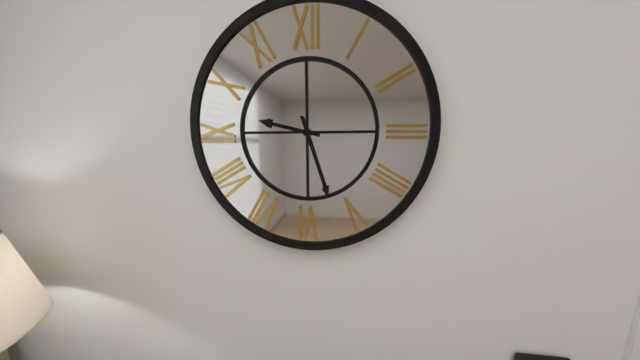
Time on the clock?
9:27
